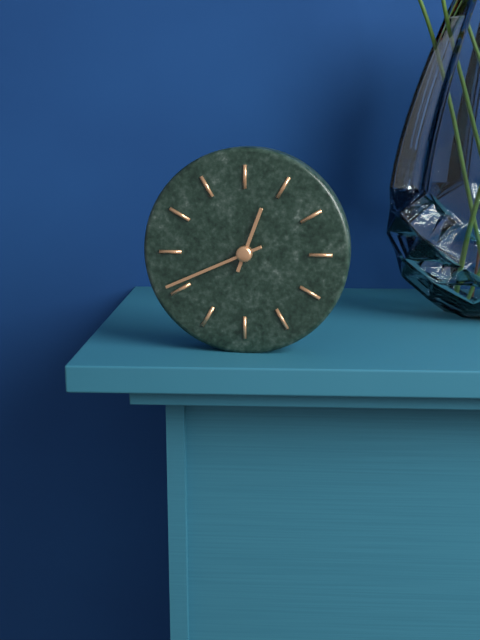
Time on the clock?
12:41
